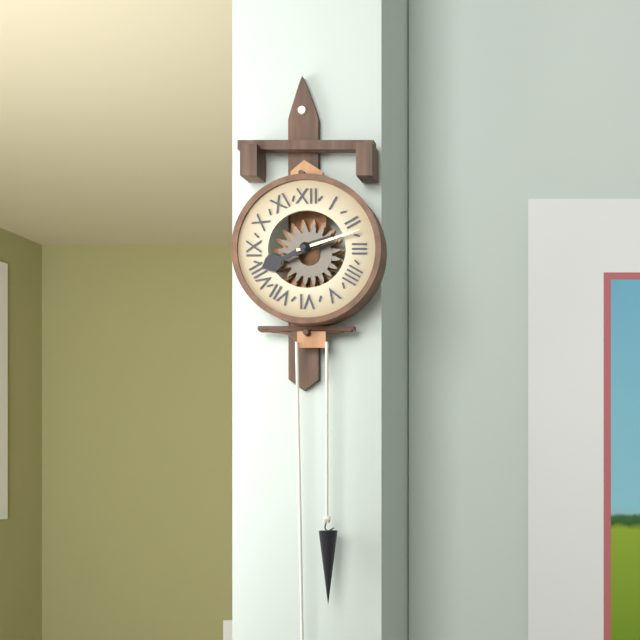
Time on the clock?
8:12
